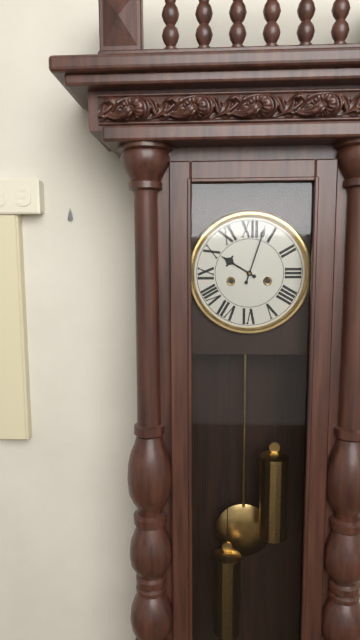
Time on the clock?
10:03
